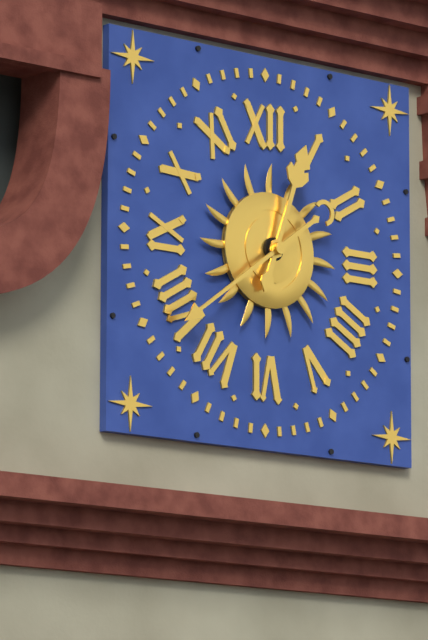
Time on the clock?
12:39
